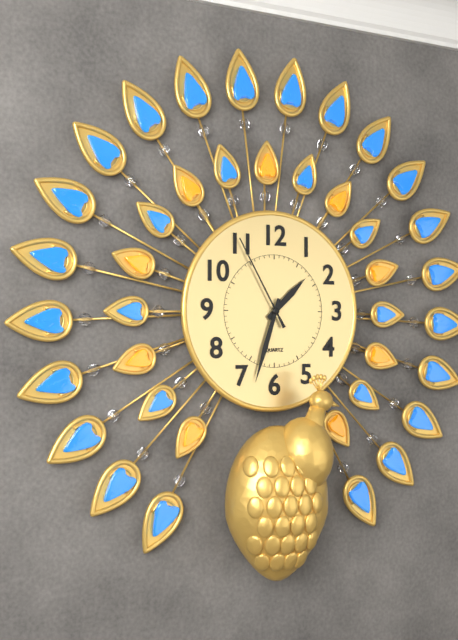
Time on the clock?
1:33:55
